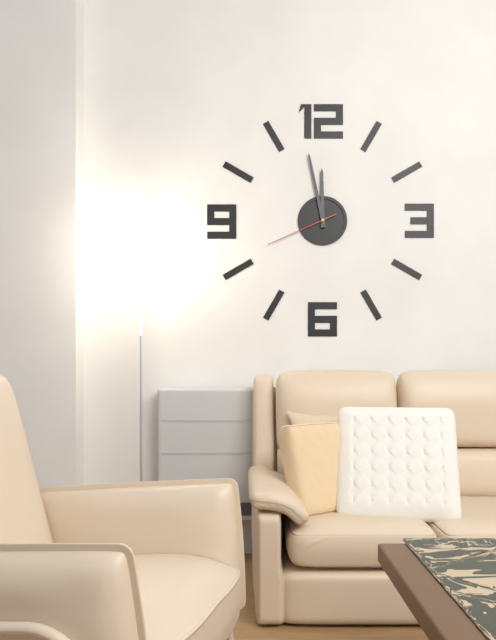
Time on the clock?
11:58:41
